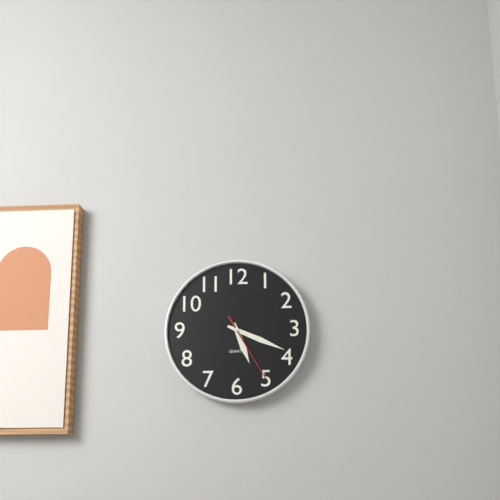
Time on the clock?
5:19:25
